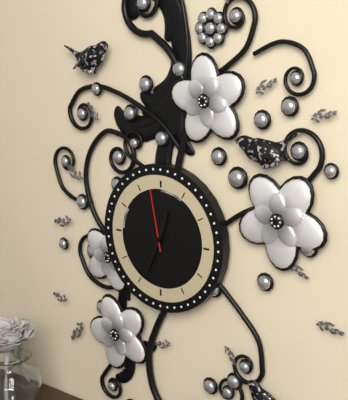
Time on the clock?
12:34:58
